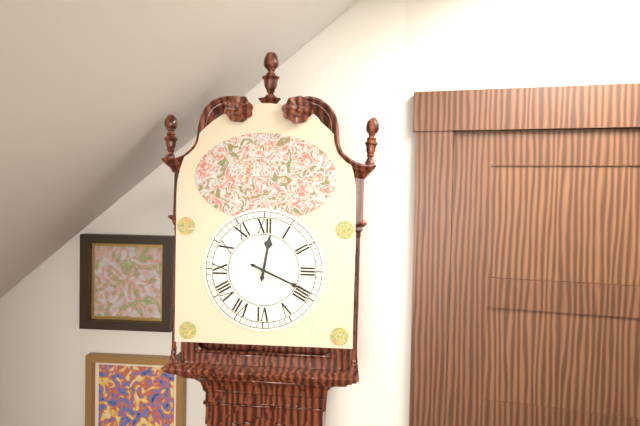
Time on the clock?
12:19
